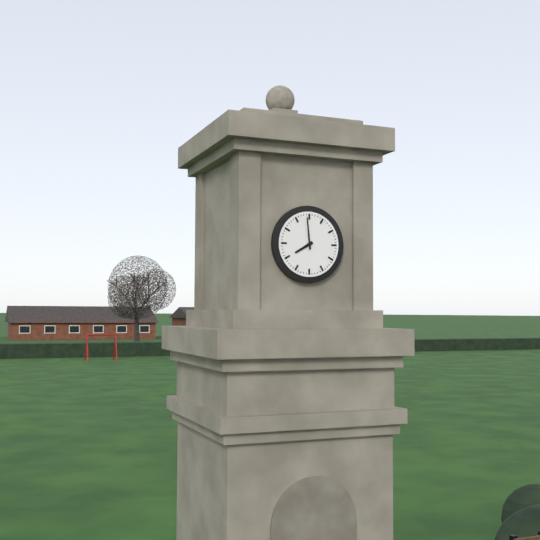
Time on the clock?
7:59
